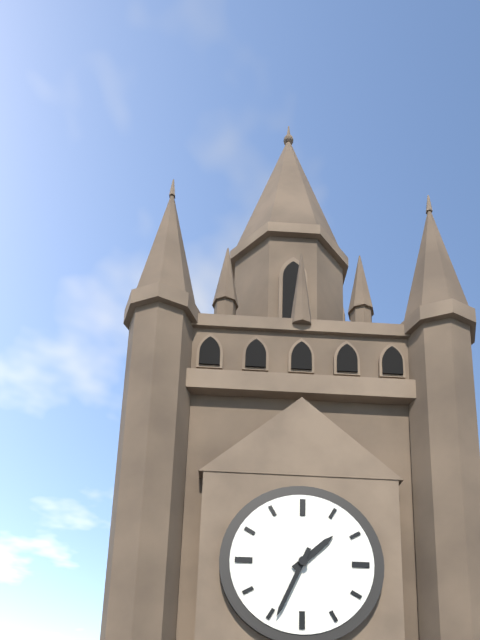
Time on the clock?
1:34
